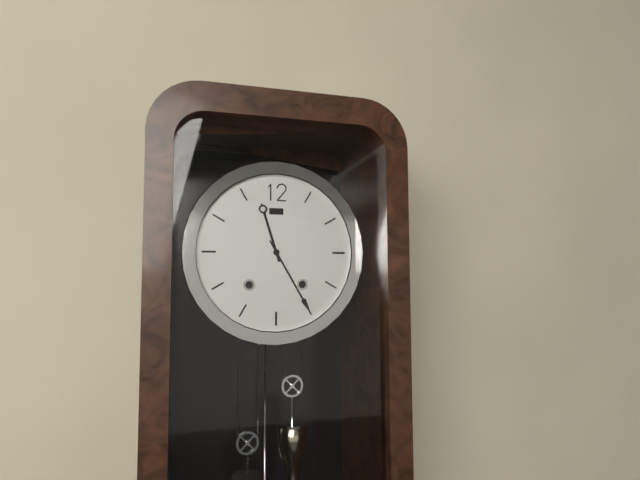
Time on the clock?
11:25
